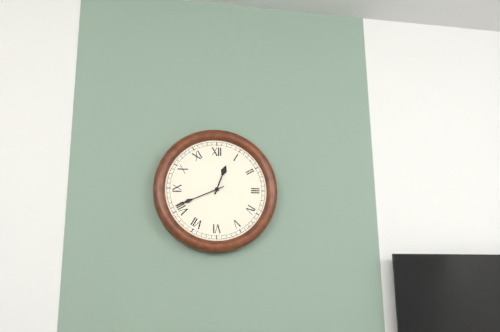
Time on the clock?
12:41
